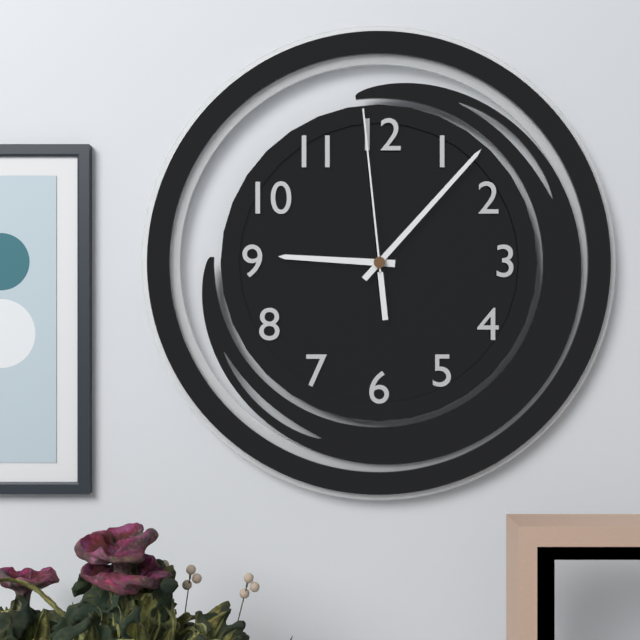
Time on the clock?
9:07:59
